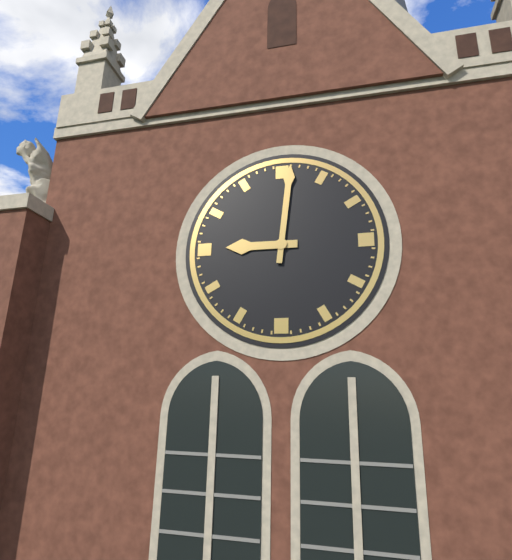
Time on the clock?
9:01
